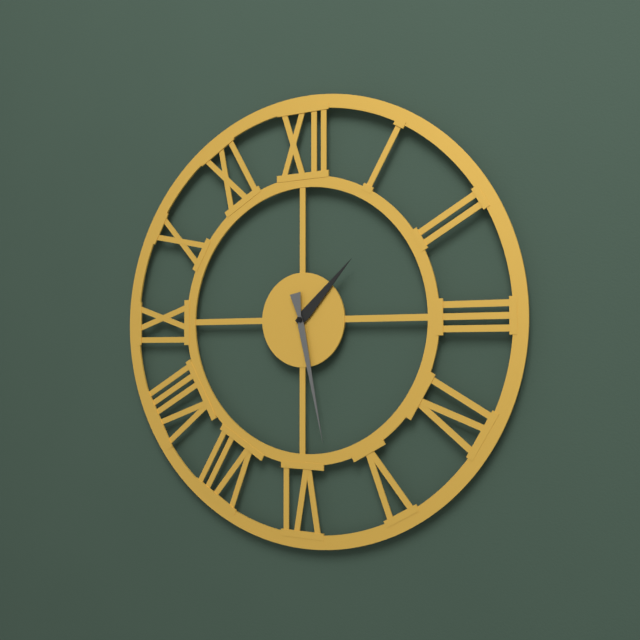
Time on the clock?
1:28
